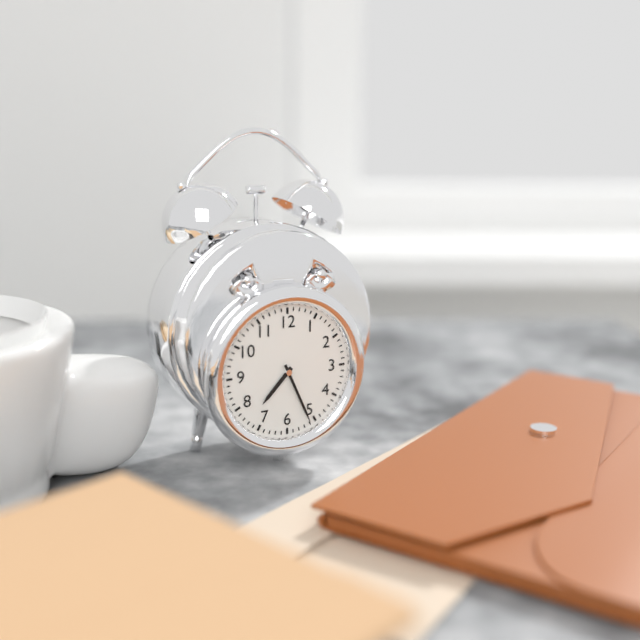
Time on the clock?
7:26
